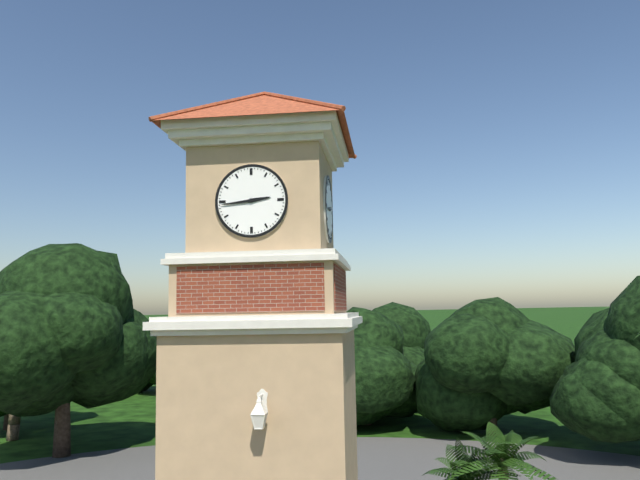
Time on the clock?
2:44
